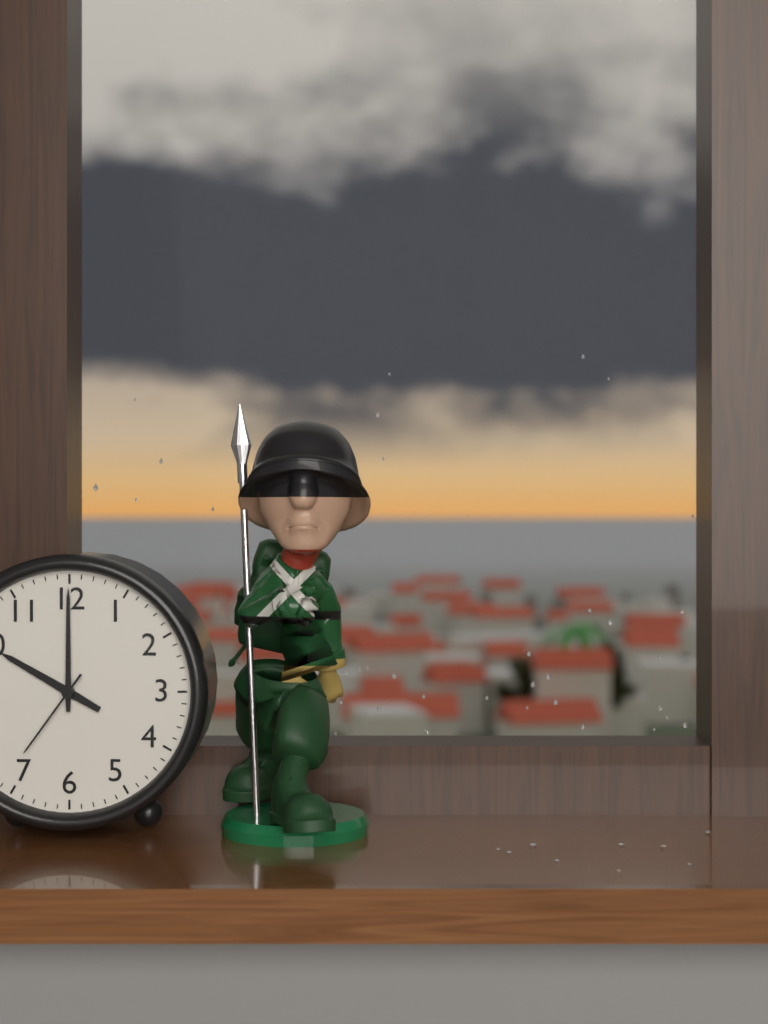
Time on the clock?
10:00:36
